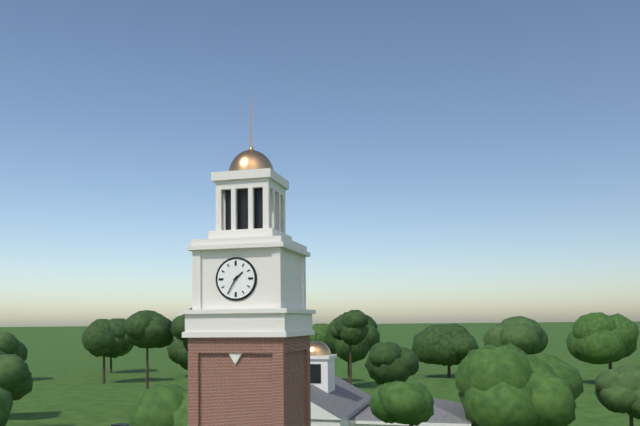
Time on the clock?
1:35
